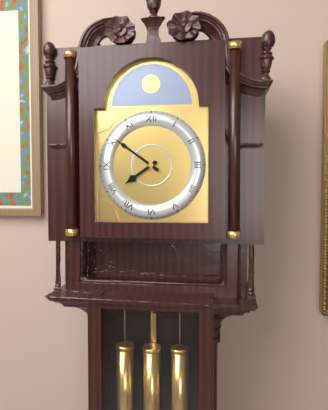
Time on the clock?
7:51
